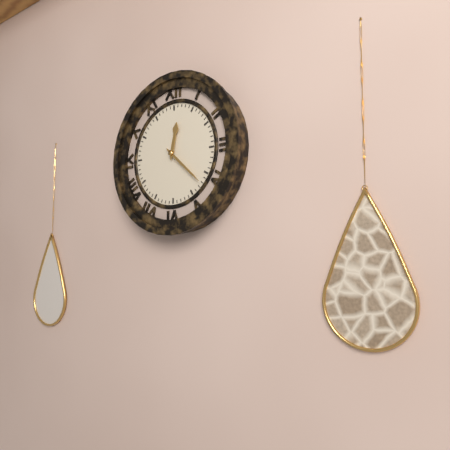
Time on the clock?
12:22
